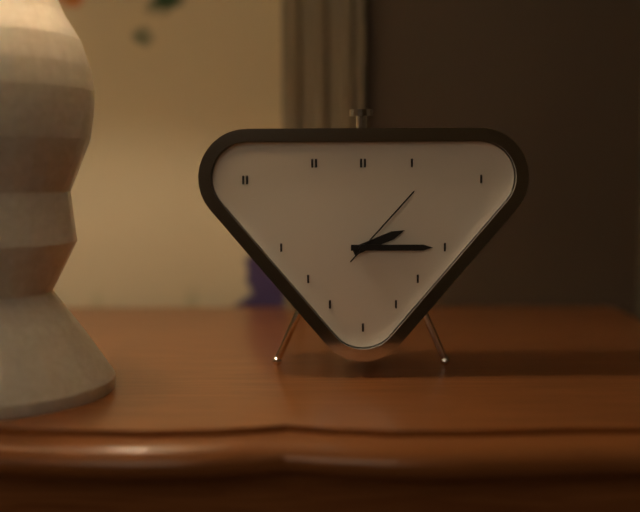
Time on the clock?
2:15:07
